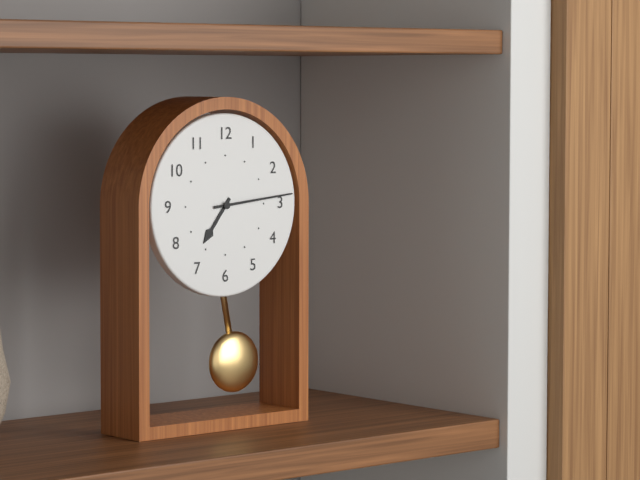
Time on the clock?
7:14
